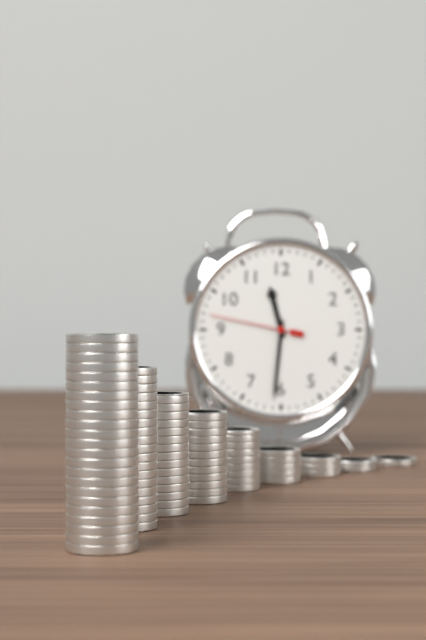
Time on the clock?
11:31:47
